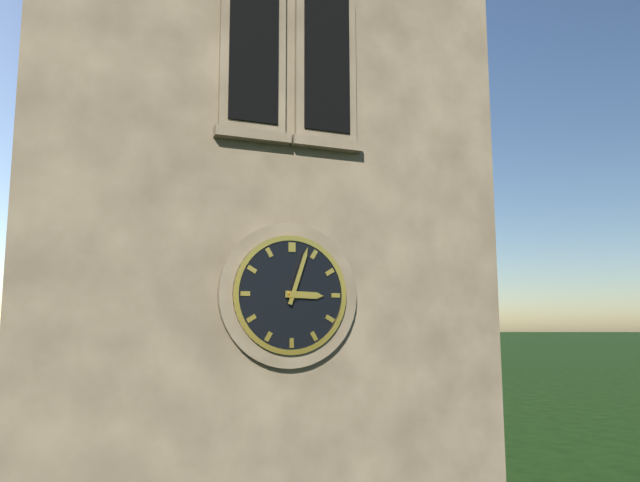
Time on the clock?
3:03
